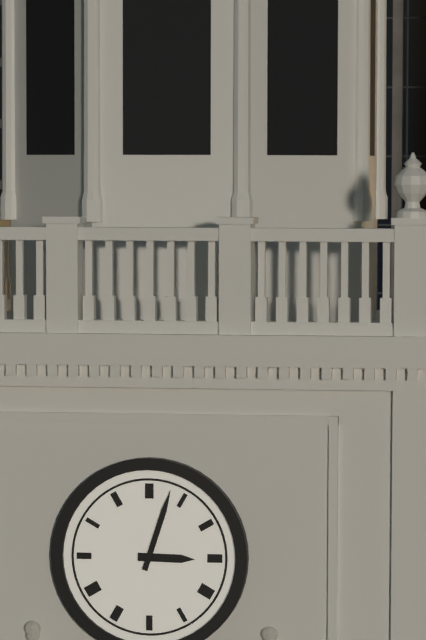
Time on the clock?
3:03
